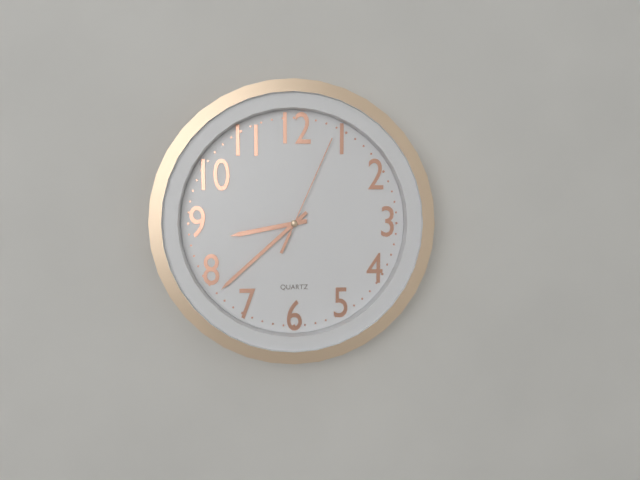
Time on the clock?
8:38:04
